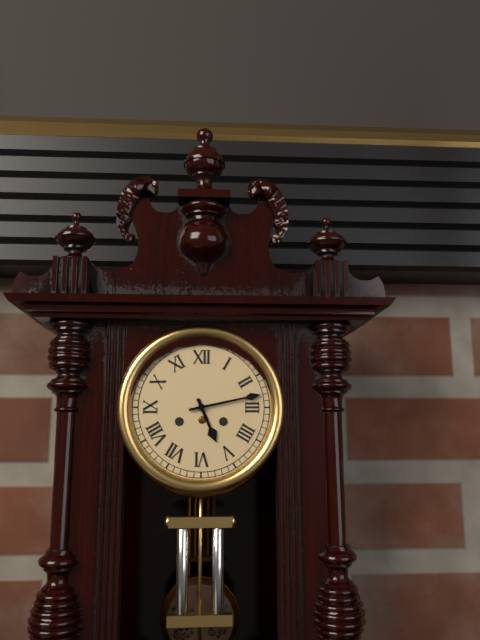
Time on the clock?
5:13
